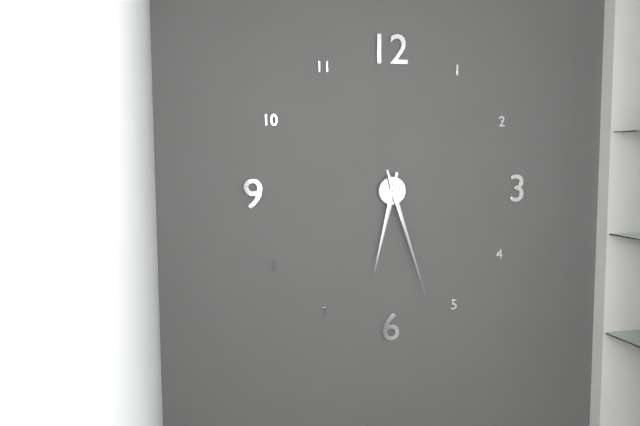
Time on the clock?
6:27
